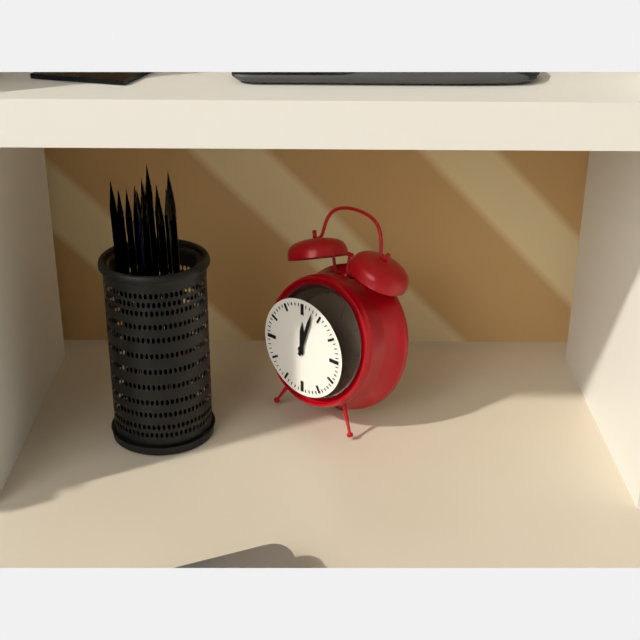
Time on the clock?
12:03
